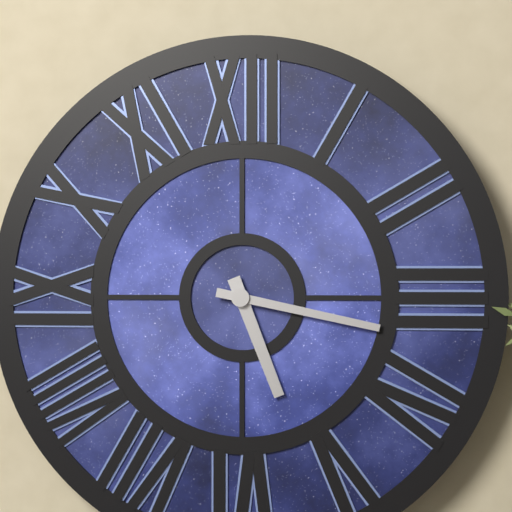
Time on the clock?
5:17
